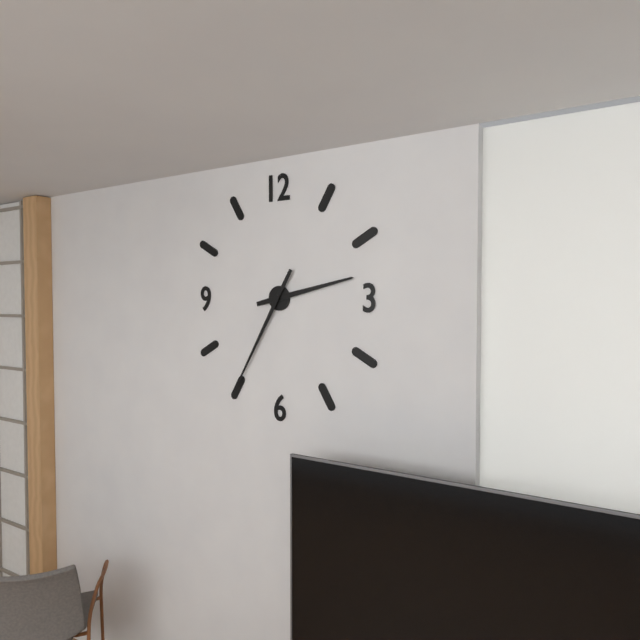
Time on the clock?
2:35
